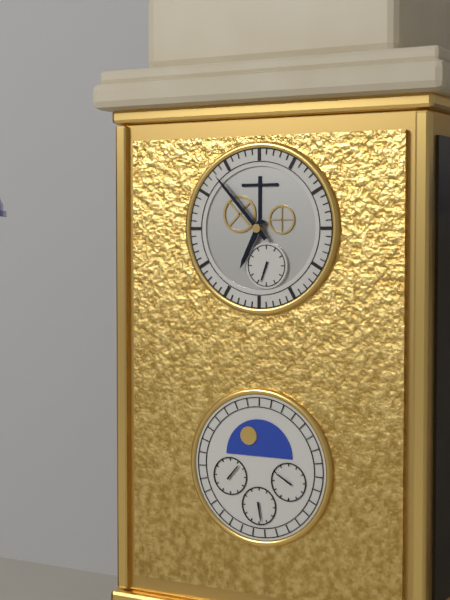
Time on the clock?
6:53
